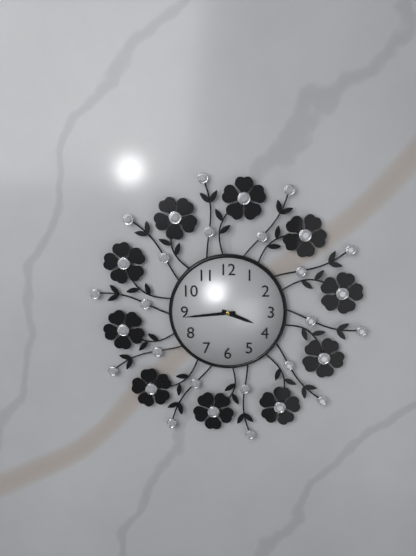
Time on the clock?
3:44
